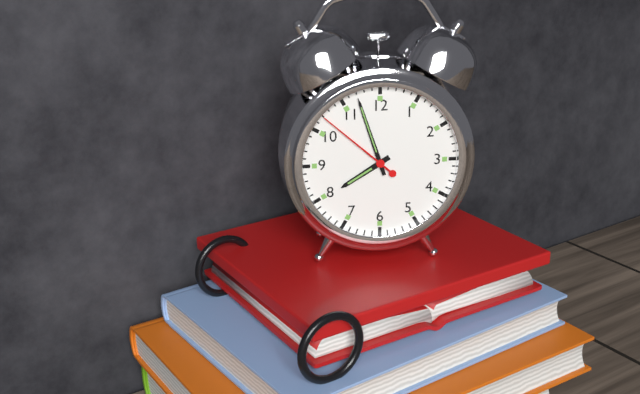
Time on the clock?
7:57:52
